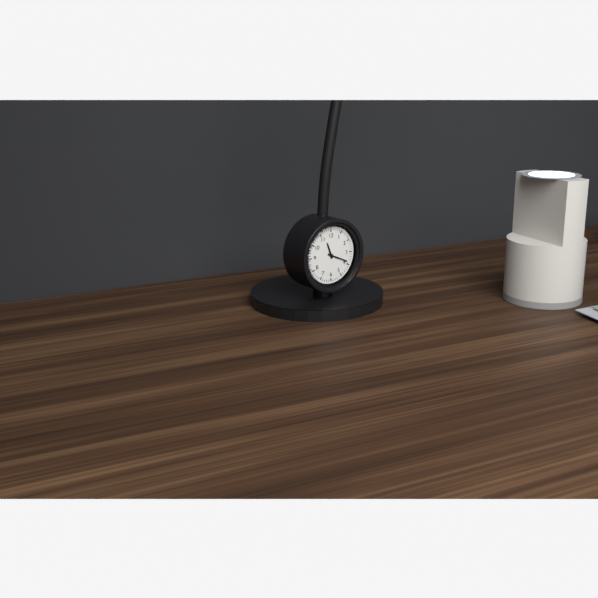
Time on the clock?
11:19
